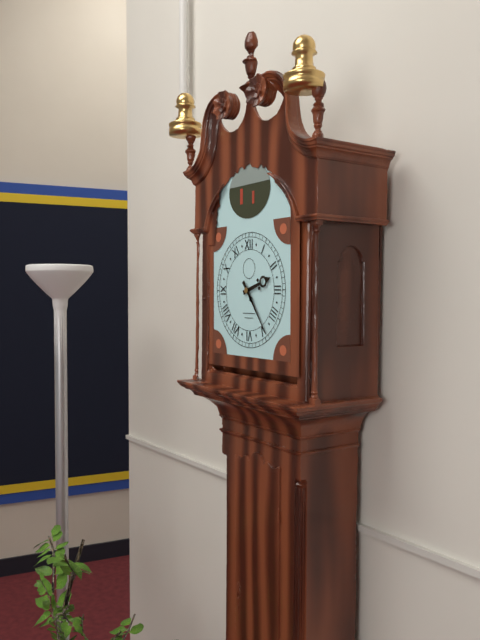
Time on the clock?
2:24
